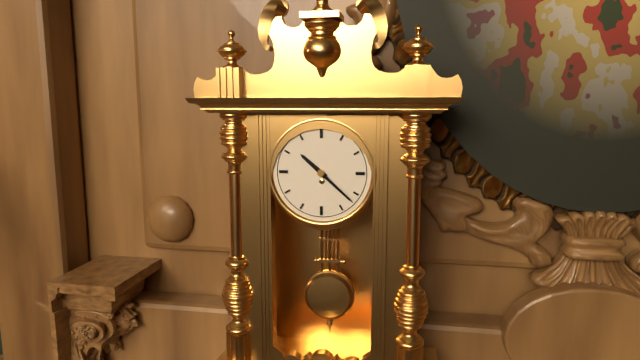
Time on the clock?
10:22
